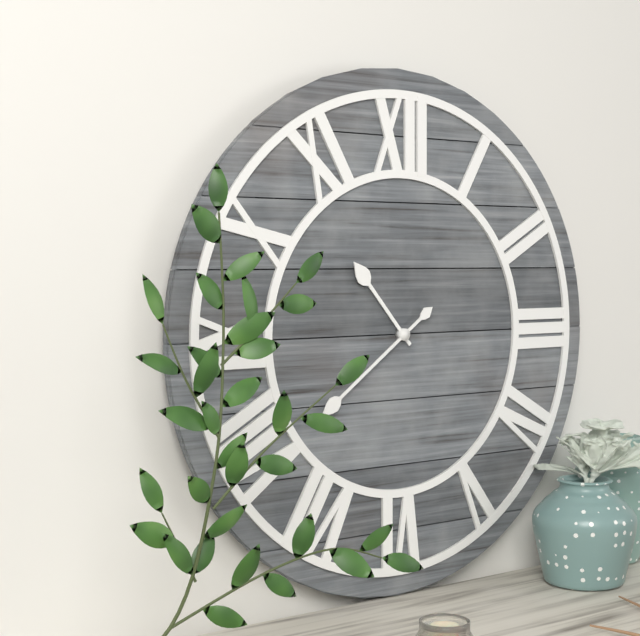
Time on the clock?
10:39
